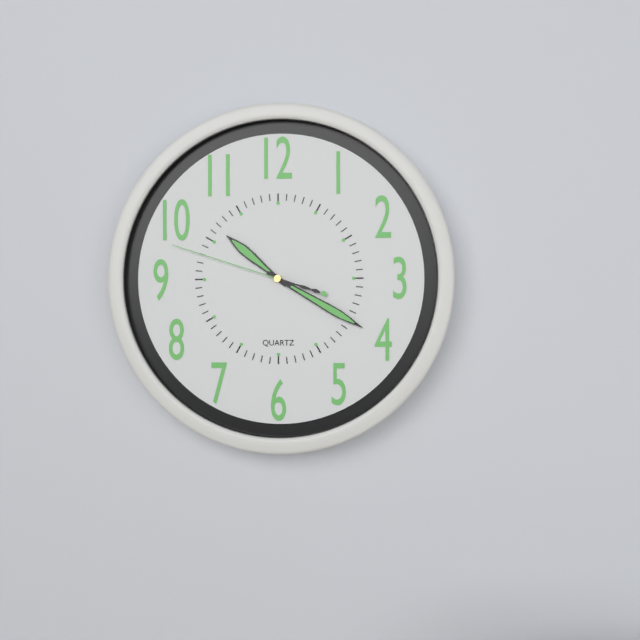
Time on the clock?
10:20:48
